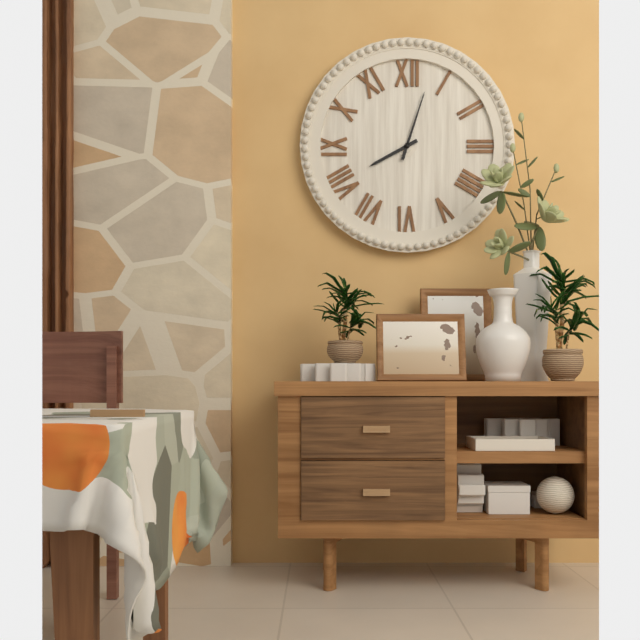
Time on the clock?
8:03
